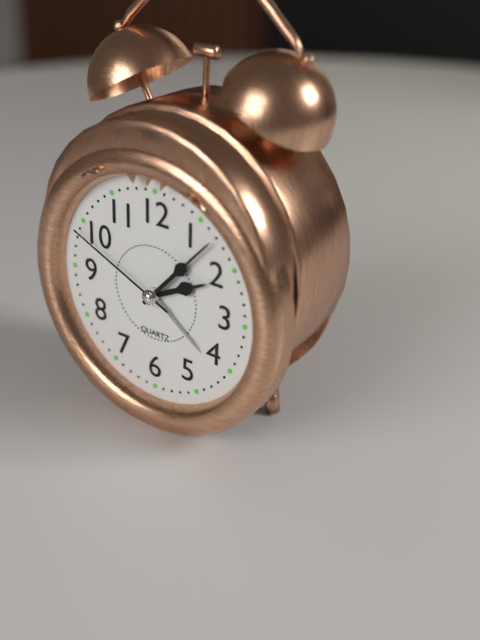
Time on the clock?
2:07:49
